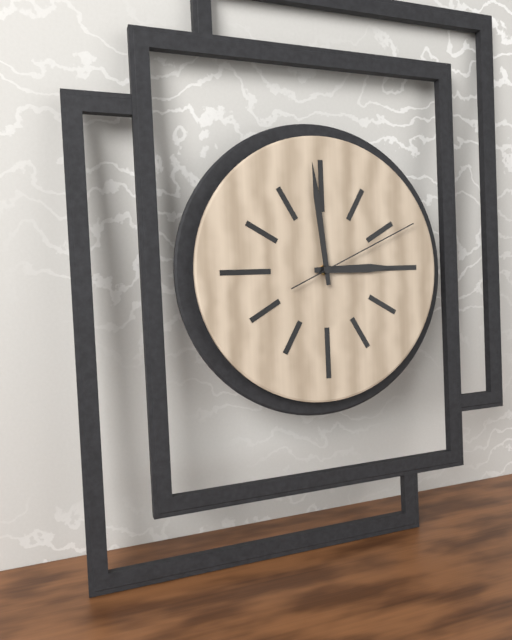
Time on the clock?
2:59:11
